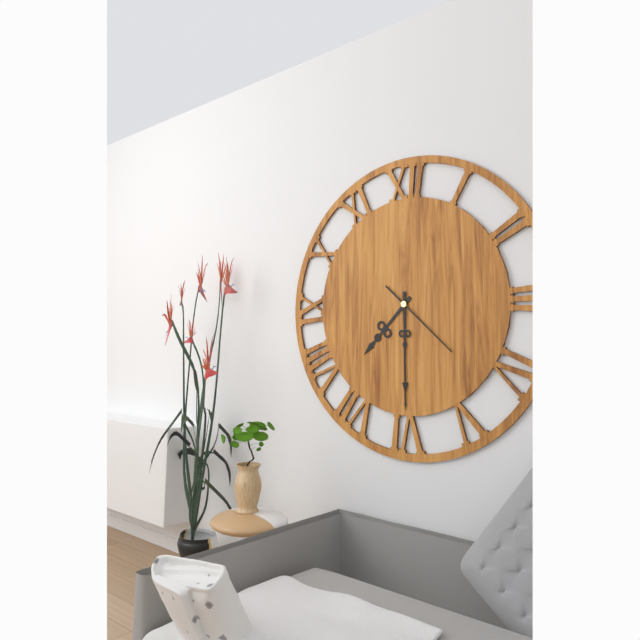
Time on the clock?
7:30:22
